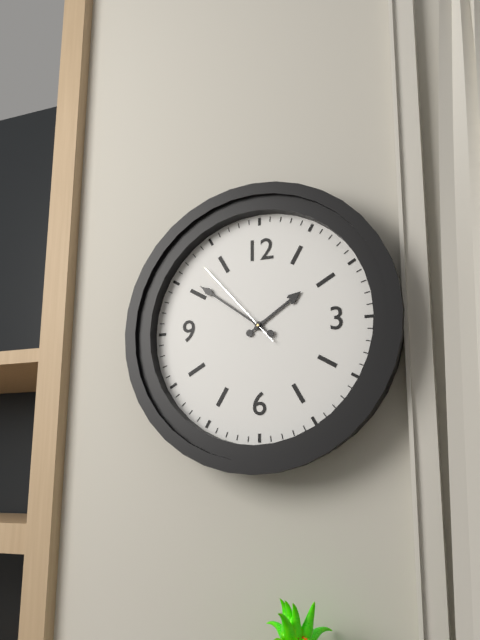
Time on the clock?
1:51:53
